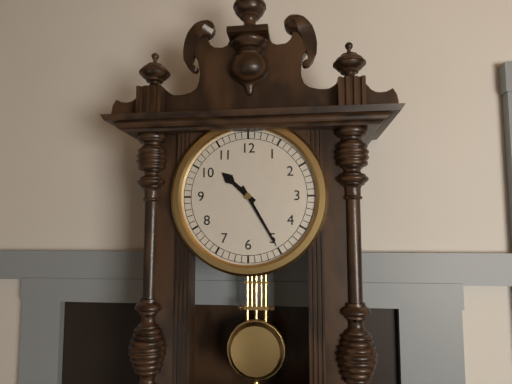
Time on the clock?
10:25
